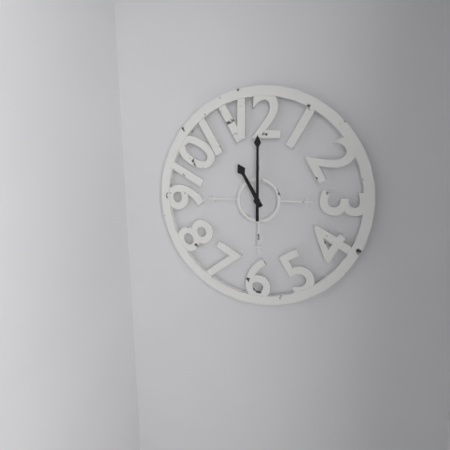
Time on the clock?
11:00
